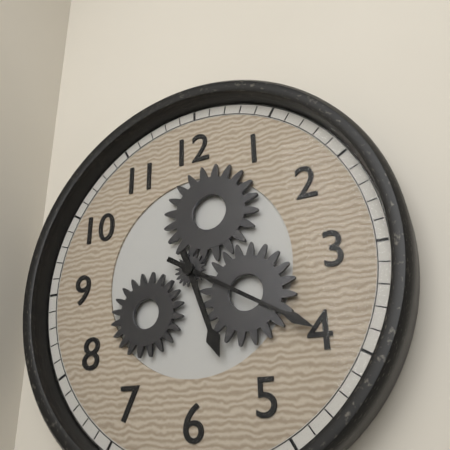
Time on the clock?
5:20
